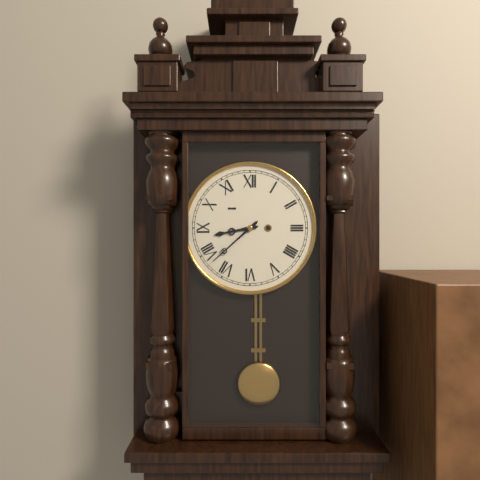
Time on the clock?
8:38
